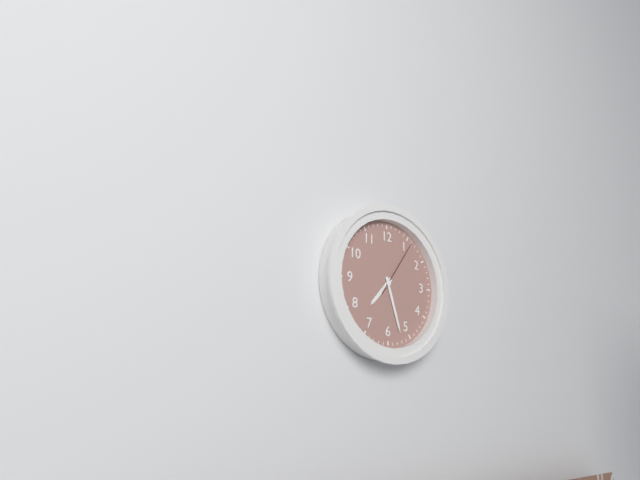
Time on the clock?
7:27:06
